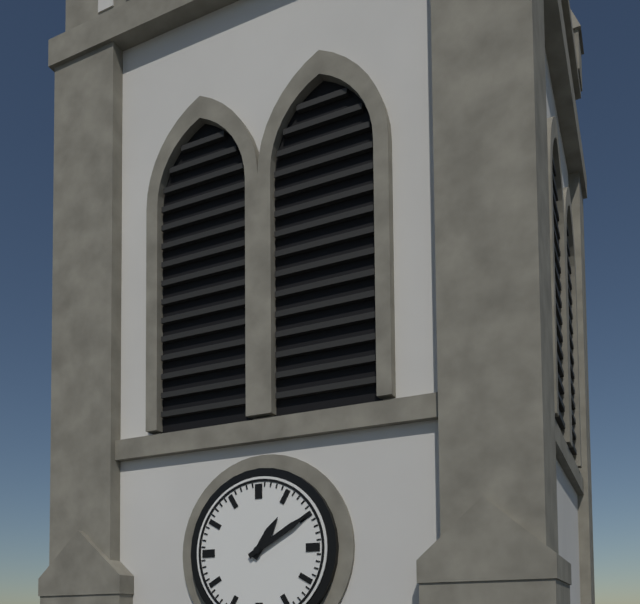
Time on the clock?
1:10
